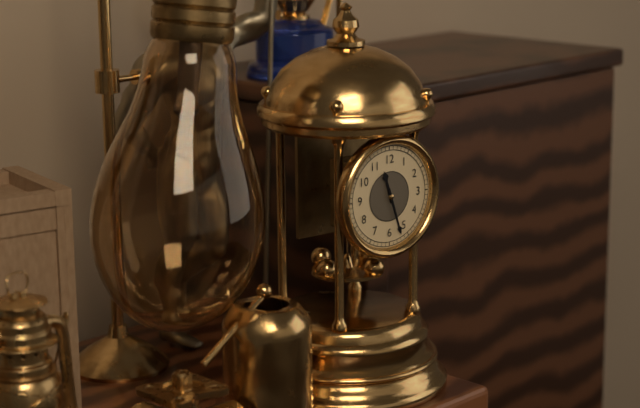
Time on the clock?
11:27
